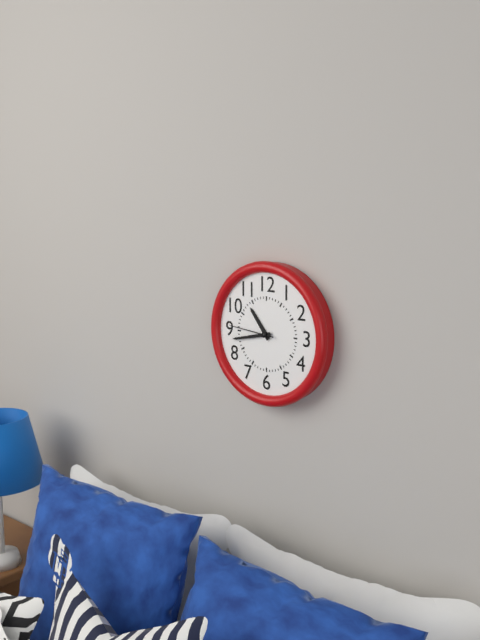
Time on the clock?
10:43
